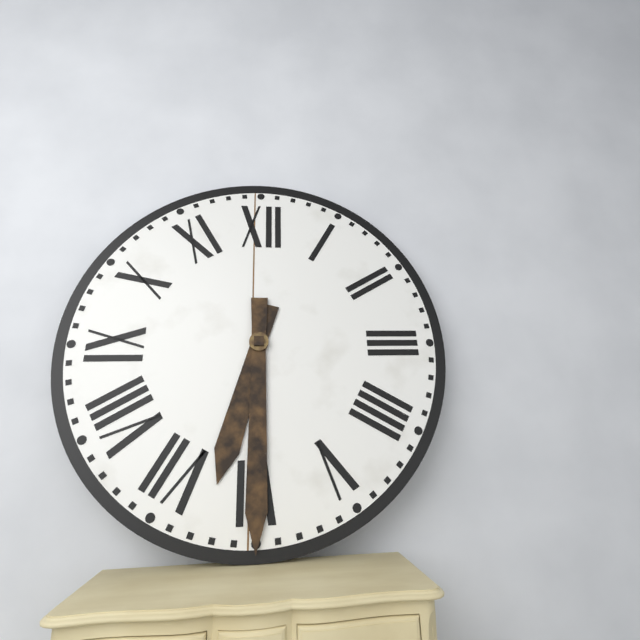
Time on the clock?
6:30
